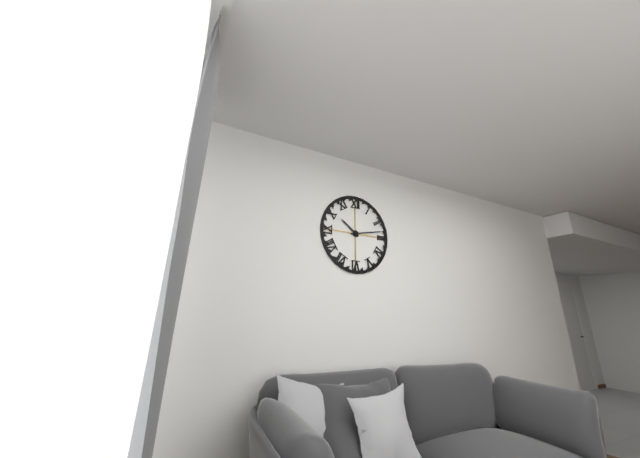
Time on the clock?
10:13
